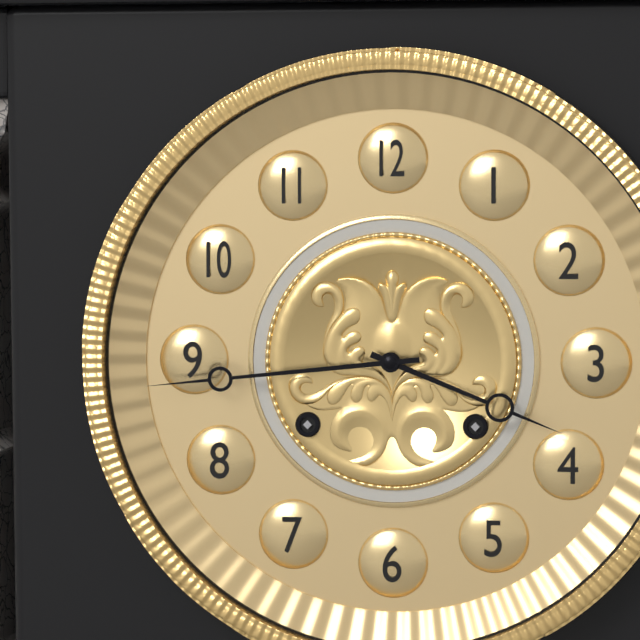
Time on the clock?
3:44
